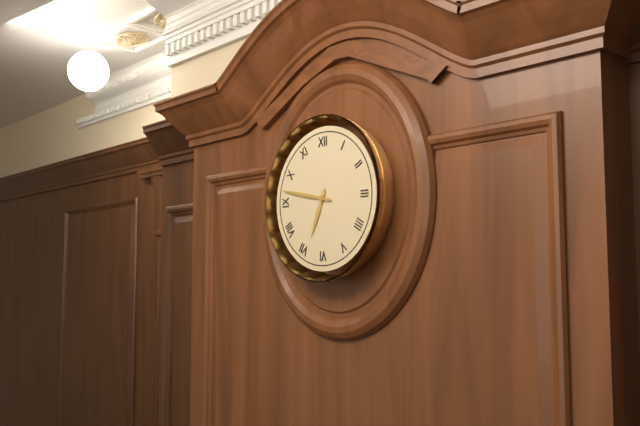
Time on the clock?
6:47
